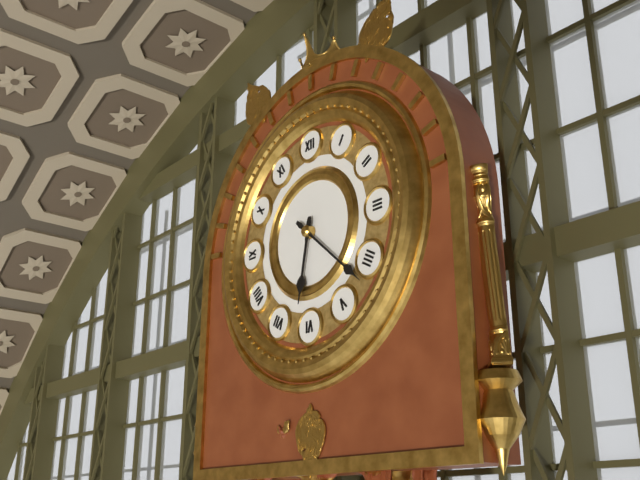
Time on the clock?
6:22
